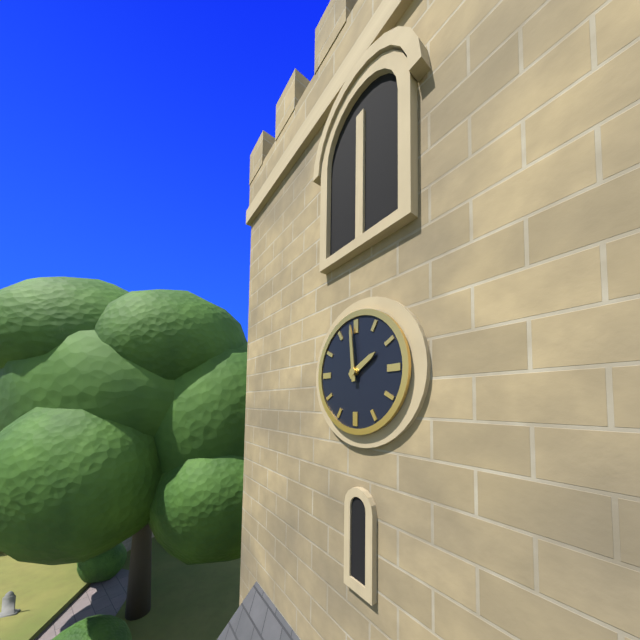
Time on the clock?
1:59
